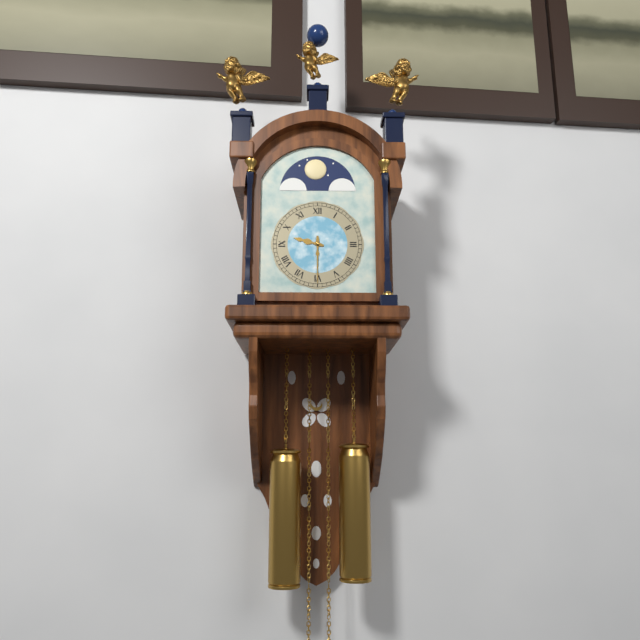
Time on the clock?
9:30
